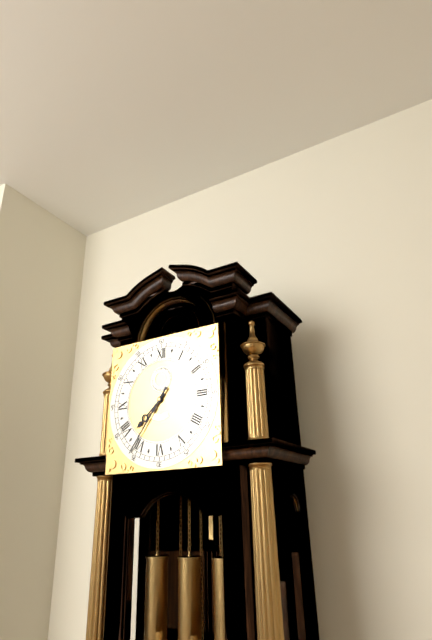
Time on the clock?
7:36
